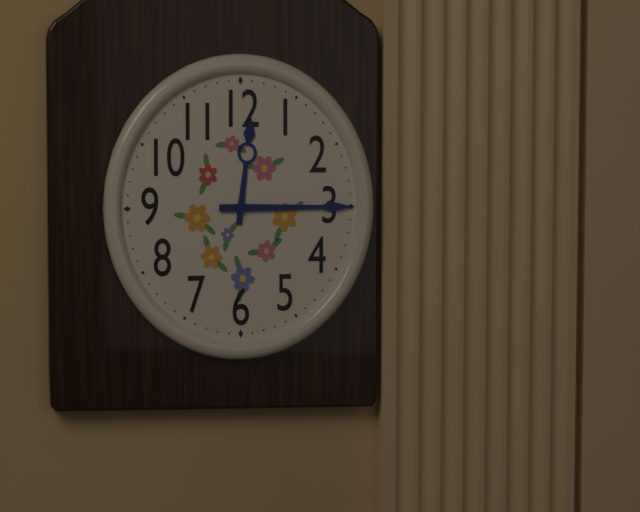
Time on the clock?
12:15
